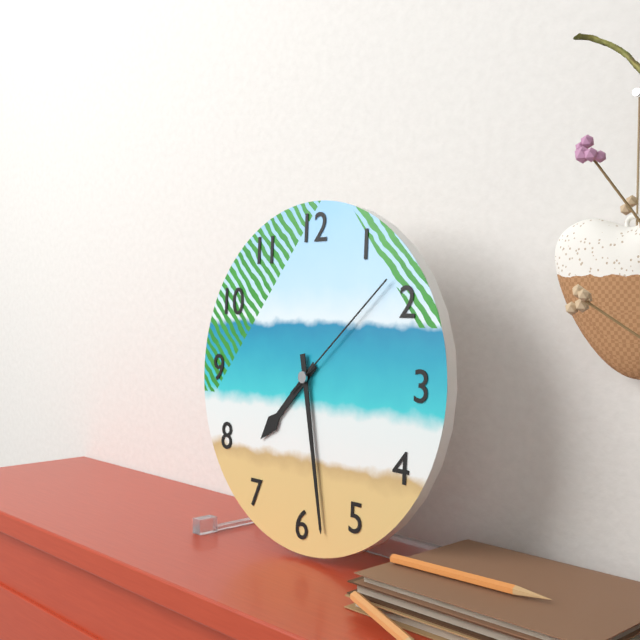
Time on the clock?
7:28:08
